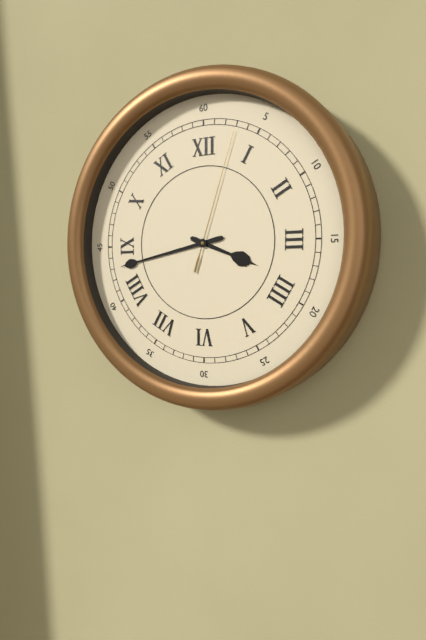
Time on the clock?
3:43:03
